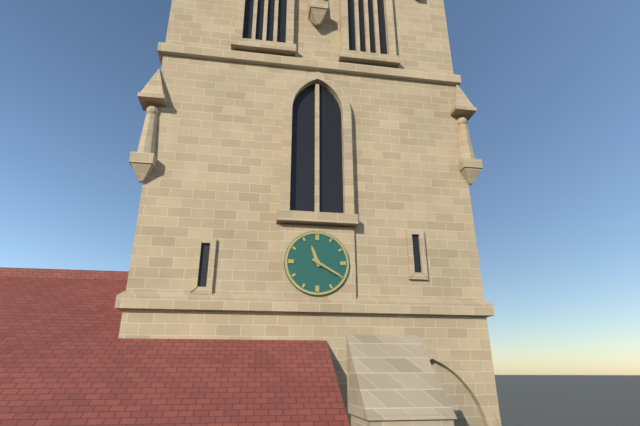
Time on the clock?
11:20
